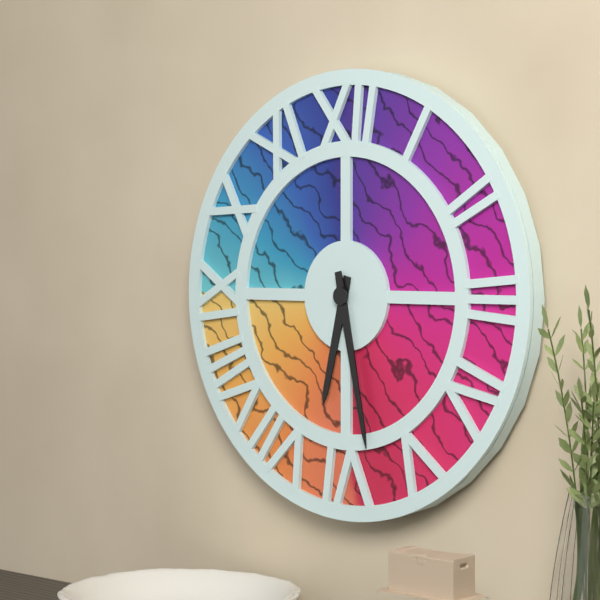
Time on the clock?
6:28
